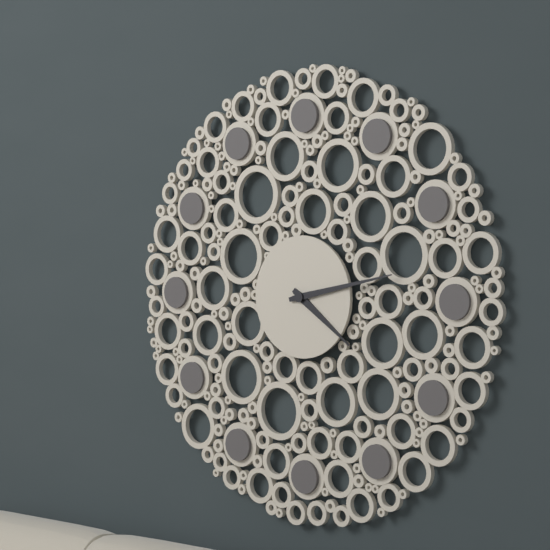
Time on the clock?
4:13
